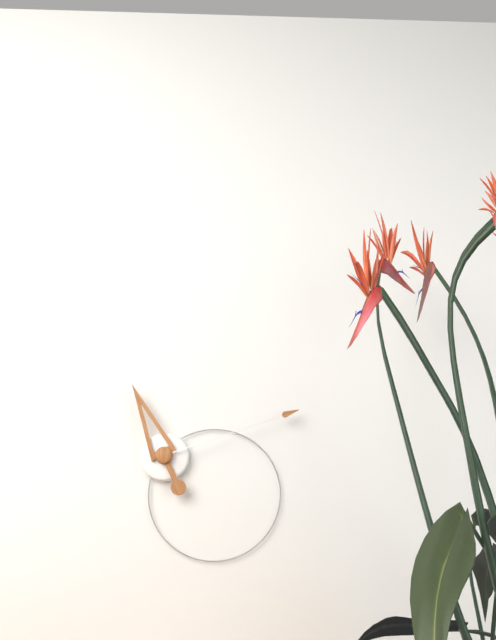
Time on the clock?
11:12
